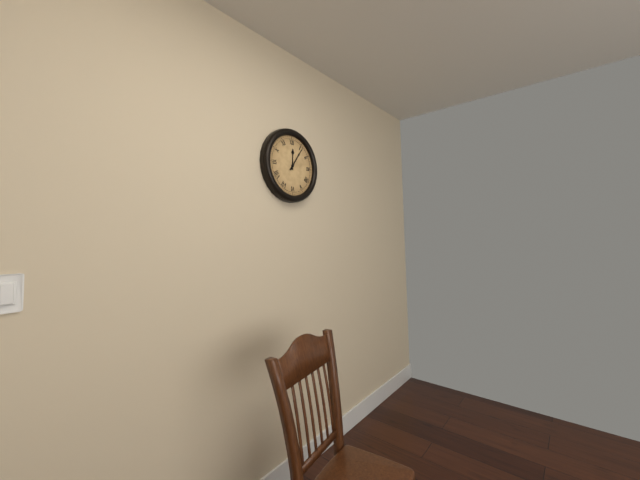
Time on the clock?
12:06
